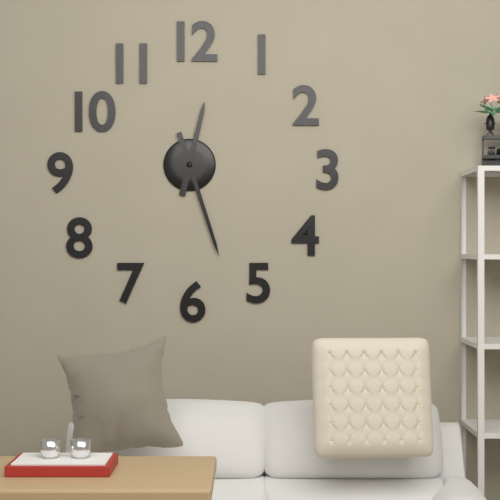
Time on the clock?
12:27
